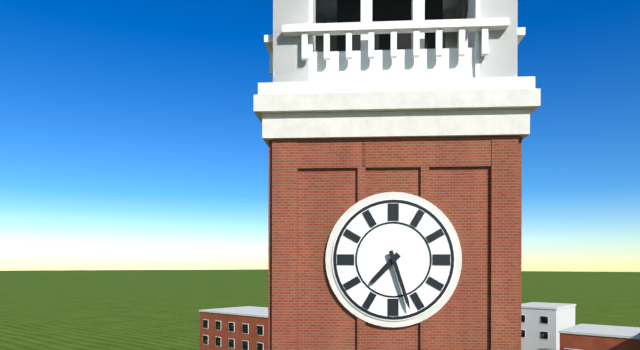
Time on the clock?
7:27
